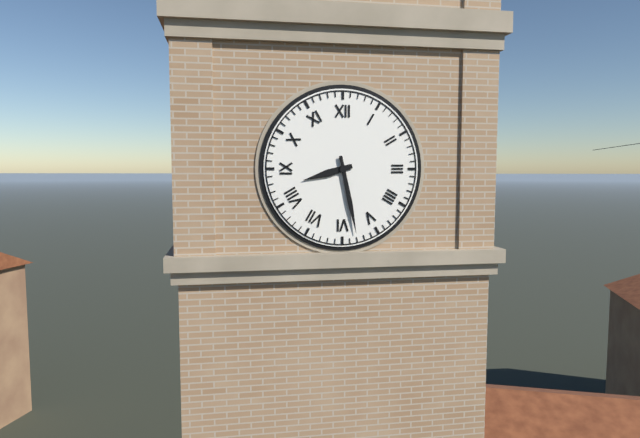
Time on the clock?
8:28
